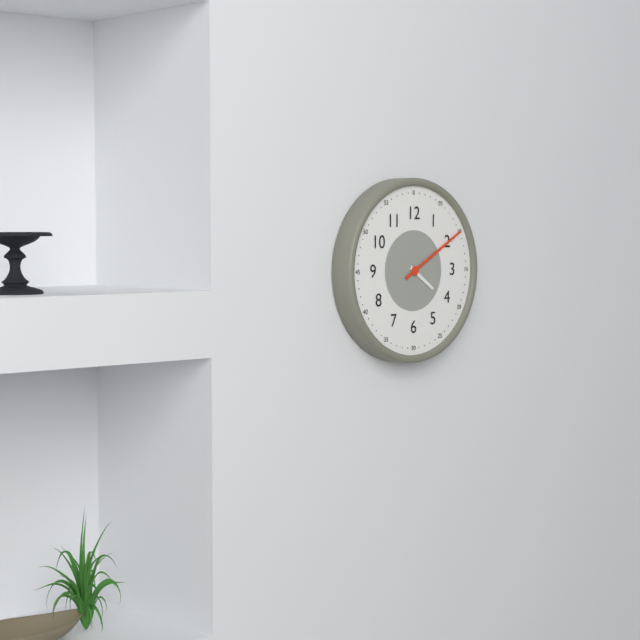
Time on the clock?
4:10
